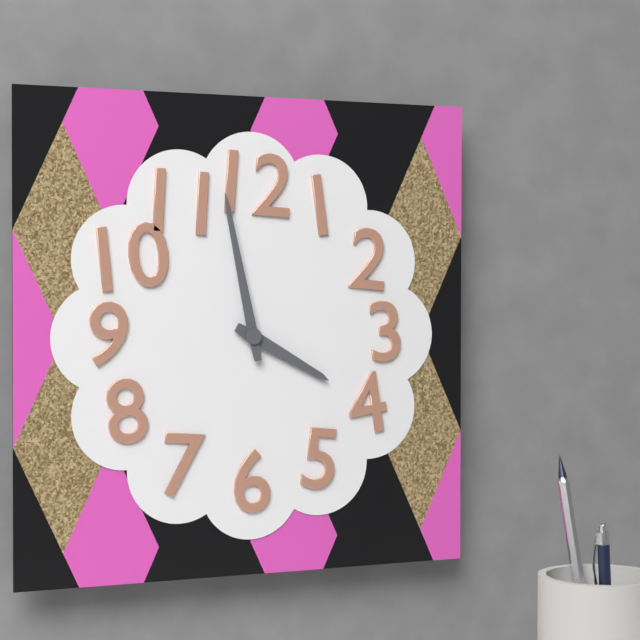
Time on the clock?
3:58
